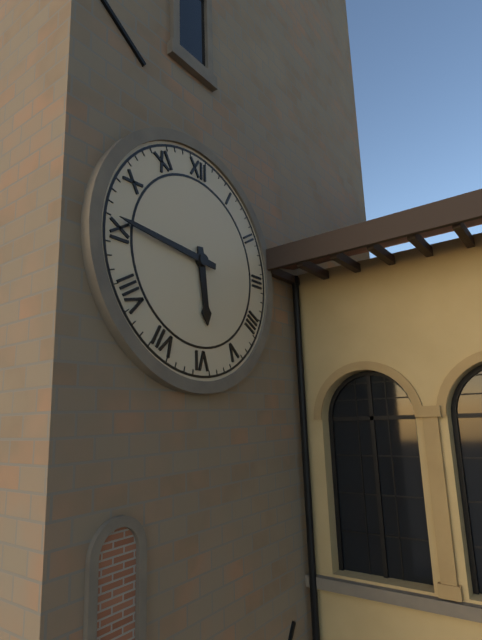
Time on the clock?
5:46
